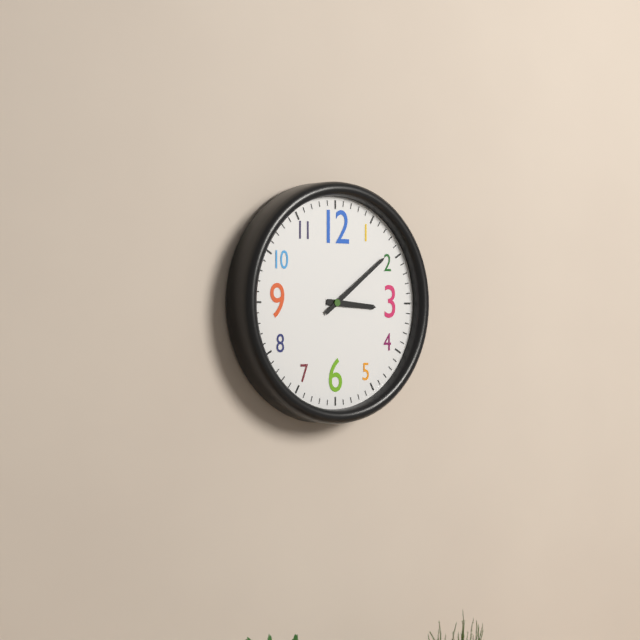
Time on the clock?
3:09
